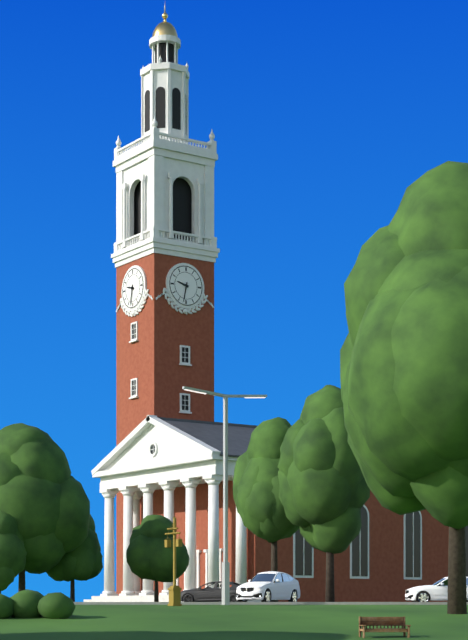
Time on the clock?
9:32
